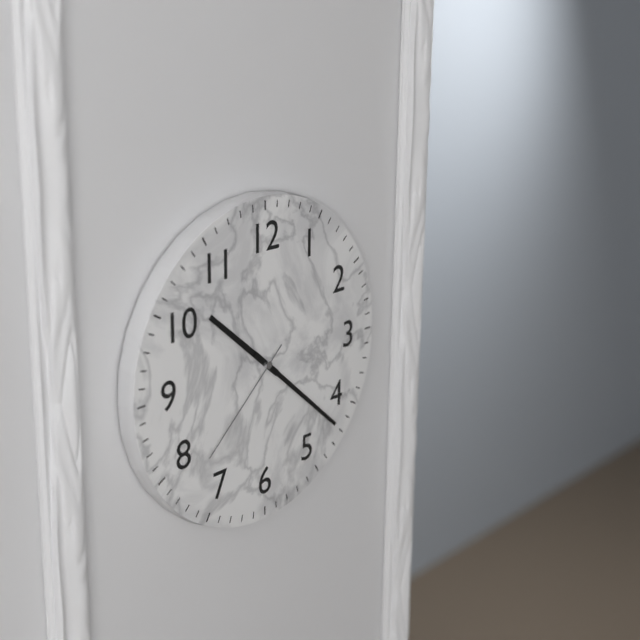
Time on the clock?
10:22:38
